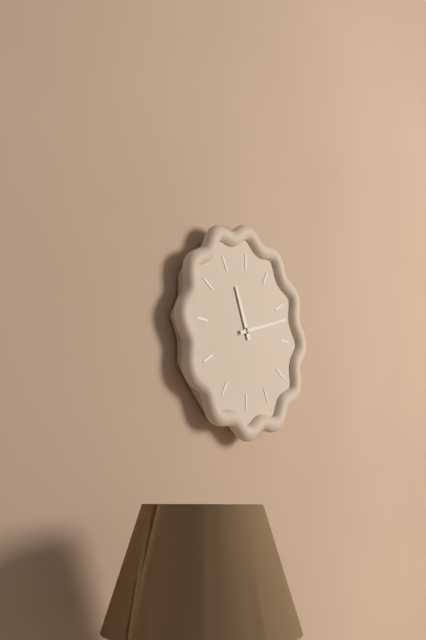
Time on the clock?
11:12
